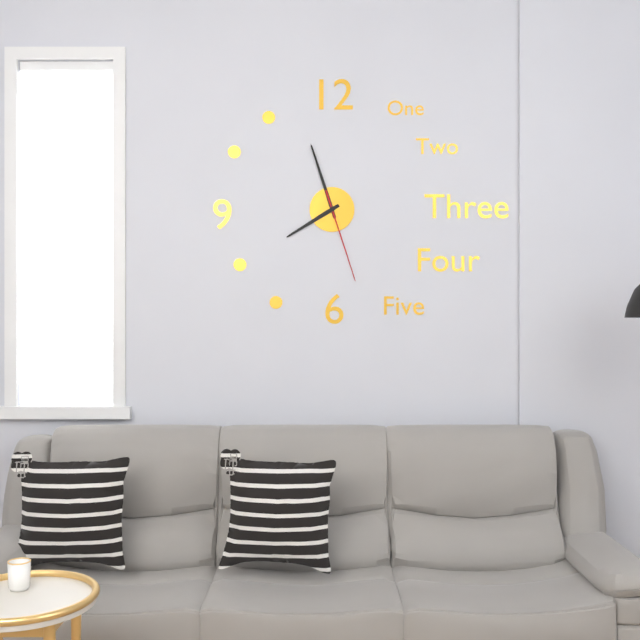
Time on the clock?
7:57:27
